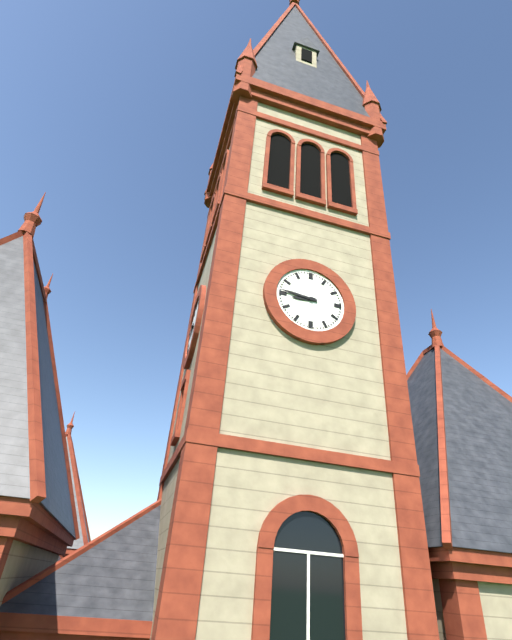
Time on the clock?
8:46
